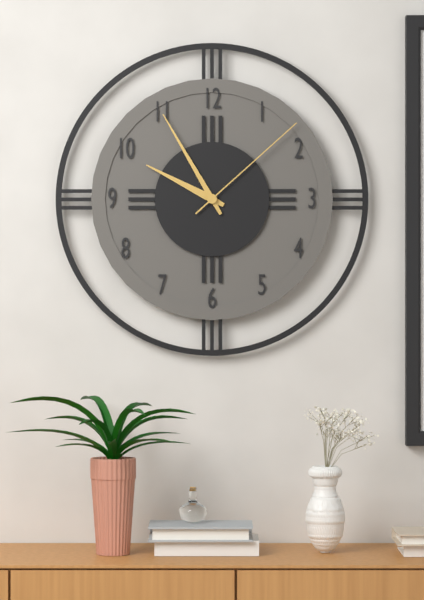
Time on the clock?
9:55:08
